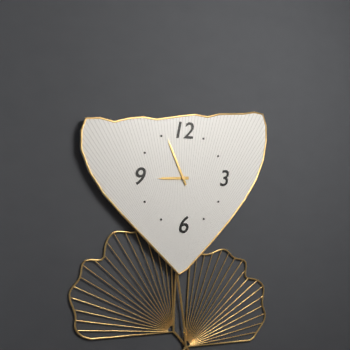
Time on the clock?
8:56
